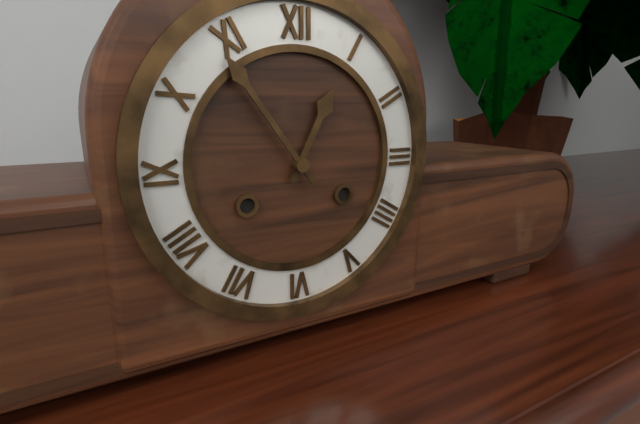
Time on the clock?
12:54
